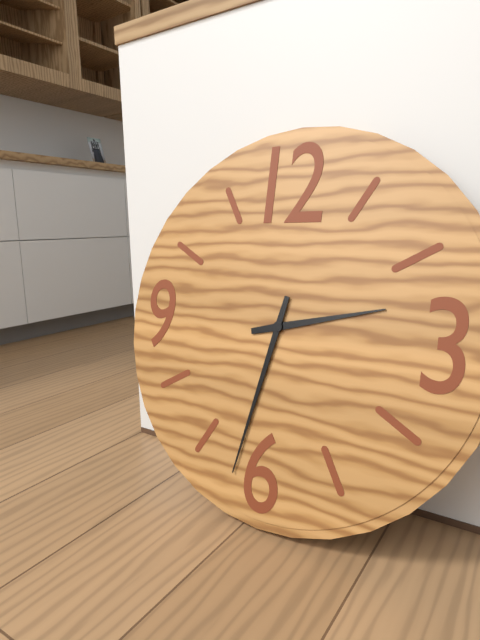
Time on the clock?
2:32
